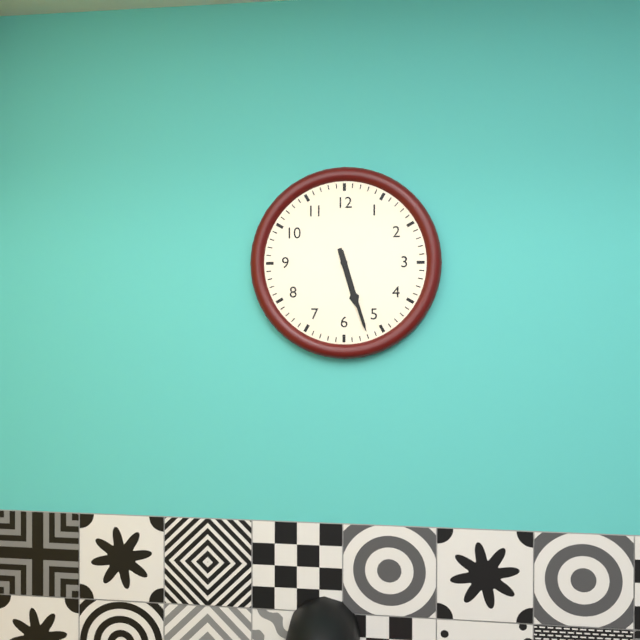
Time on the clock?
5:27
